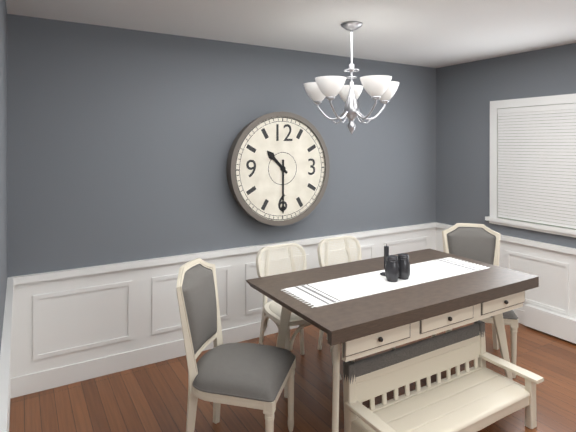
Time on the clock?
10:30
